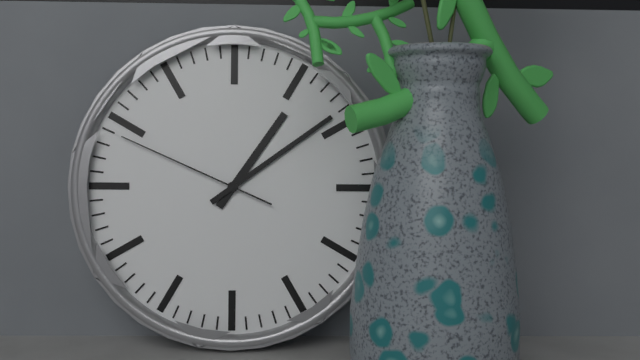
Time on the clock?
1:09:49
